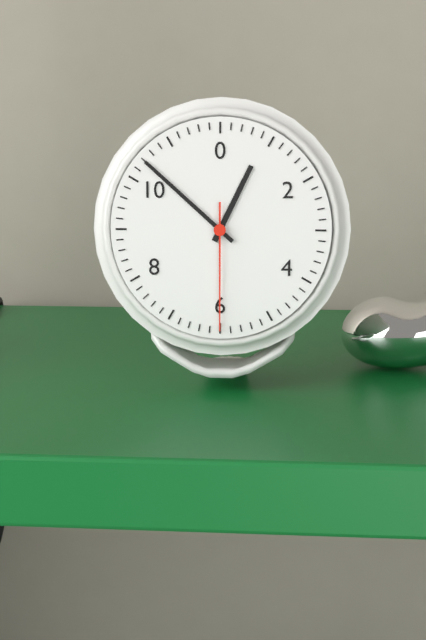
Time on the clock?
12:52:30
